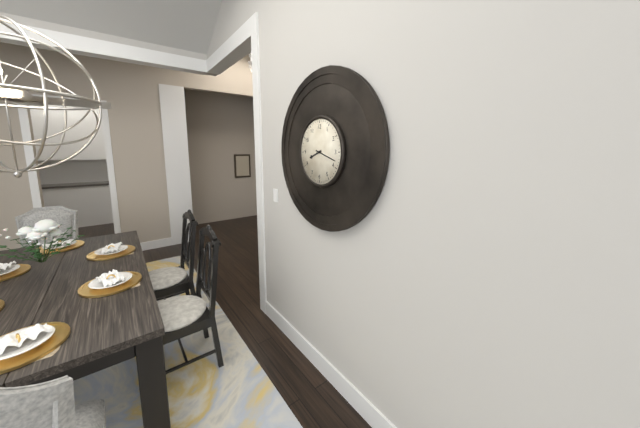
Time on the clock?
8:18
